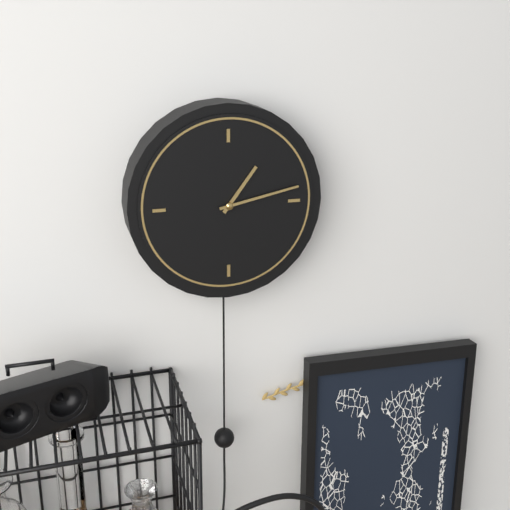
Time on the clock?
1:13
